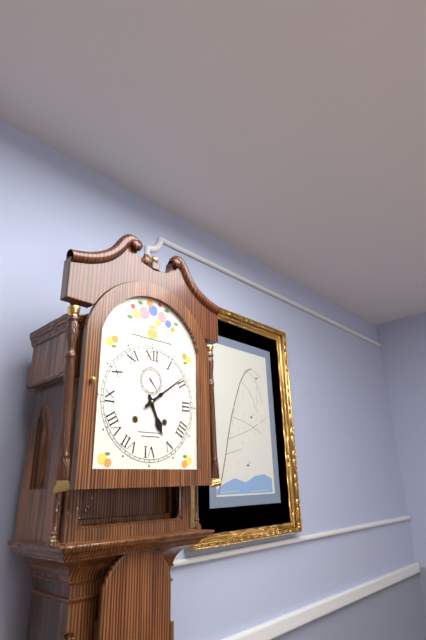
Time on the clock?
5:09
